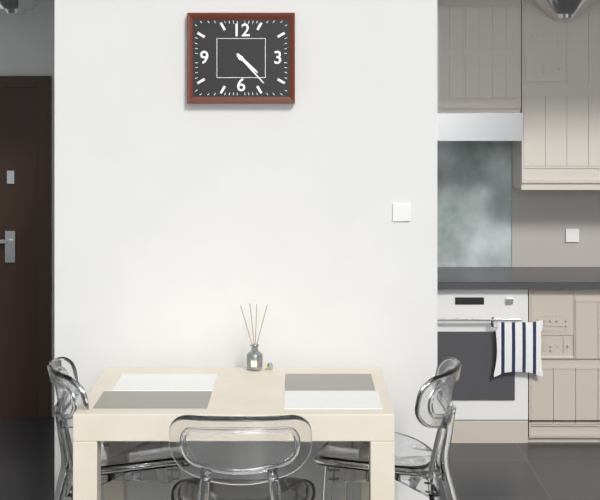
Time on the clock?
4:23
